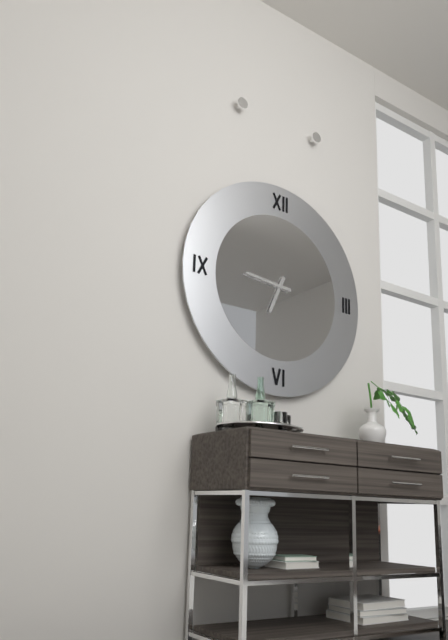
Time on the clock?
6:46
